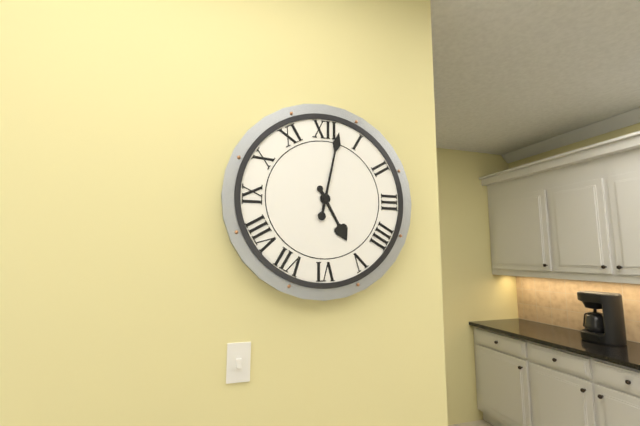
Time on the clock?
5:02
